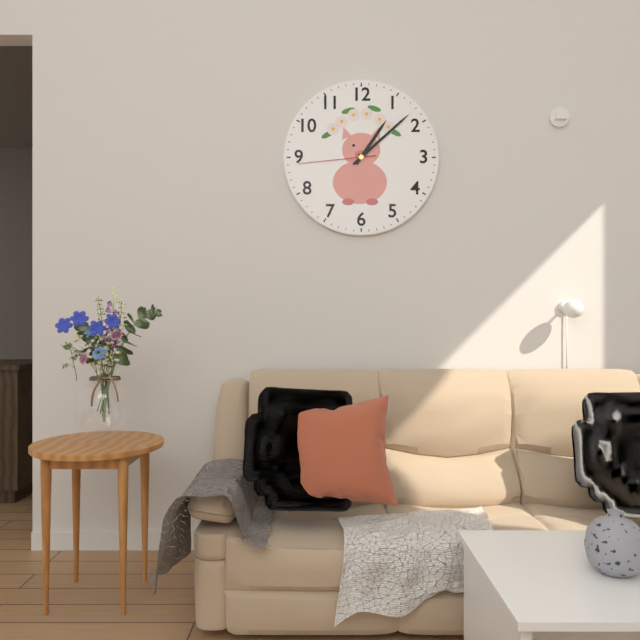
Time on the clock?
1:08:44
